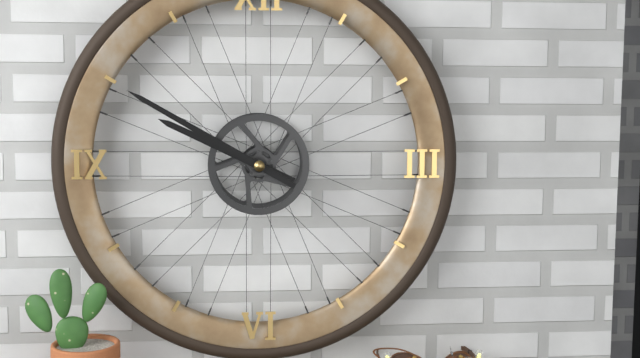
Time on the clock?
9:50
